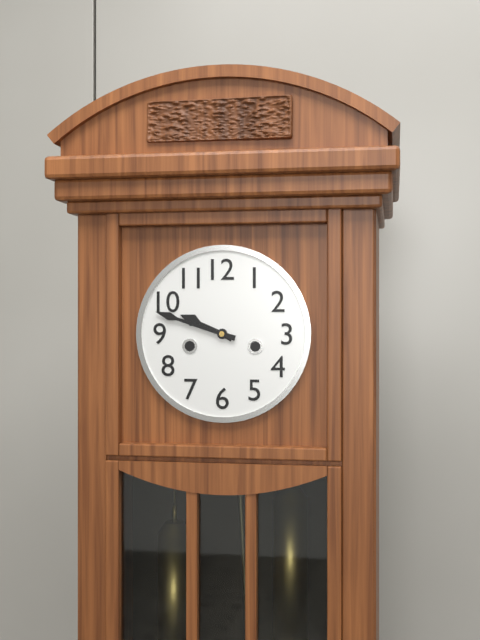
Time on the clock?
9:48
